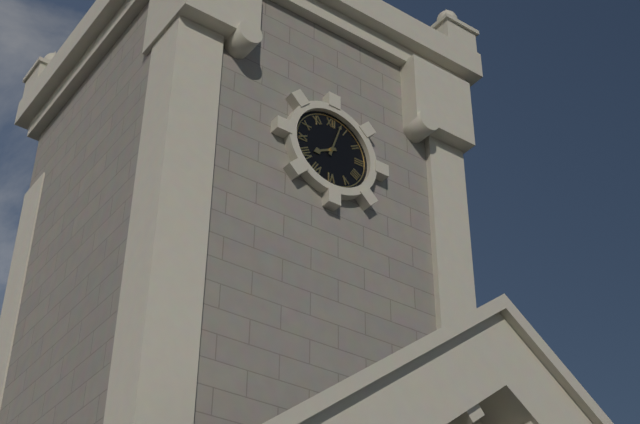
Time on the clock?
8:03
